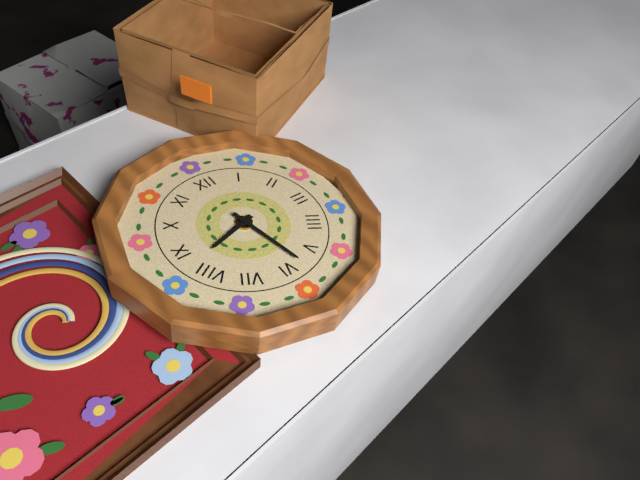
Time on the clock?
8:28
